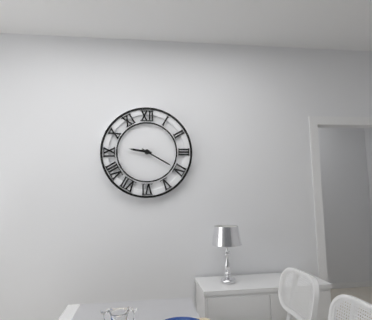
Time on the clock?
9:20
